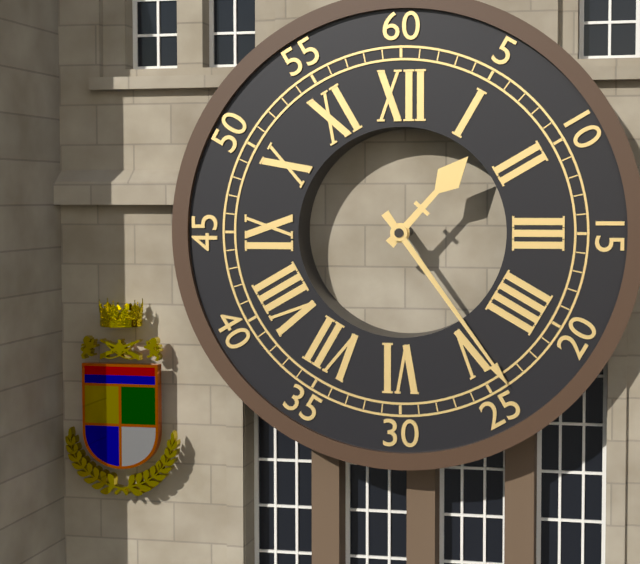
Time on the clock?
1:24
